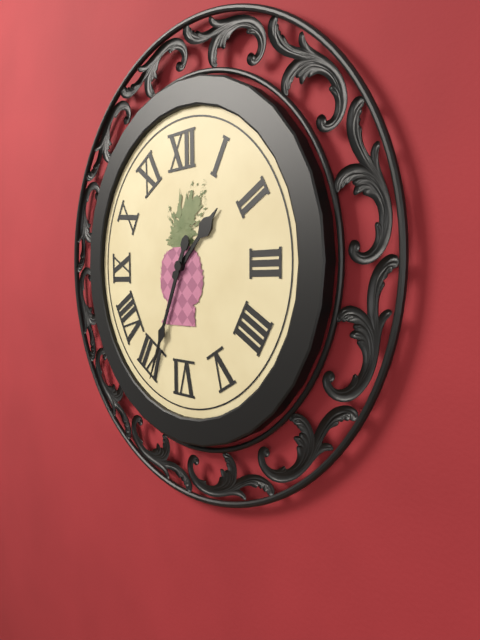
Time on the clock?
1:34
